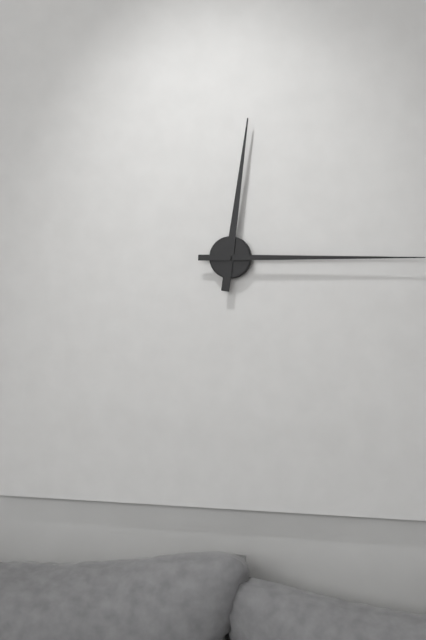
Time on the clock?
12:15
